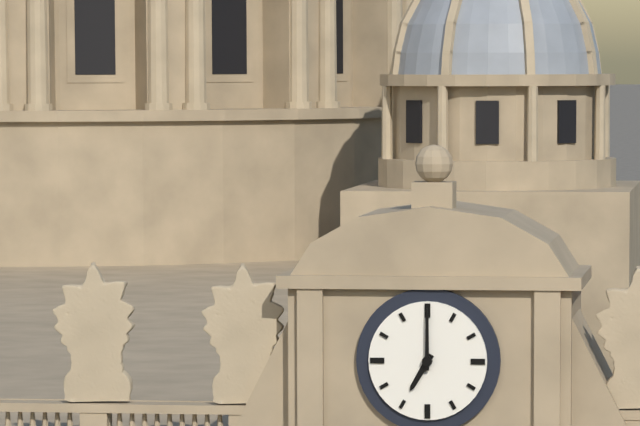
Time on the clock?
7:00
